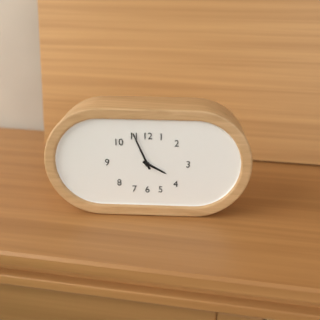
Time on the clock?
3:56
